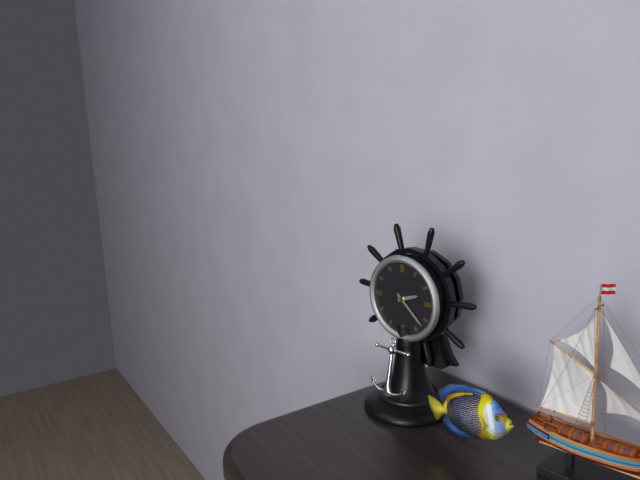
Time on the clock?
2:22
